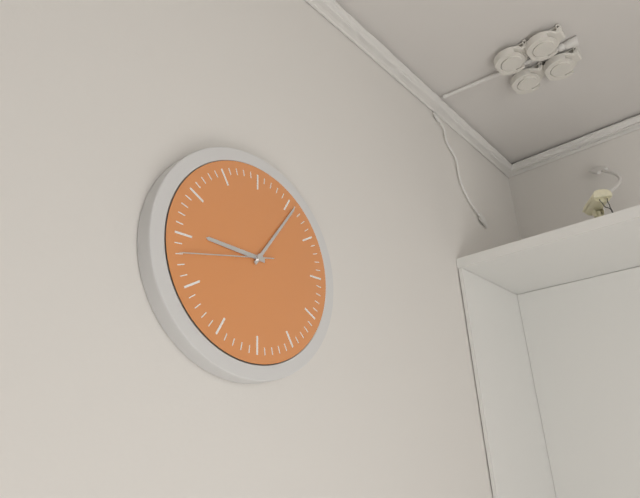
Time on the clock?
9:06:43
